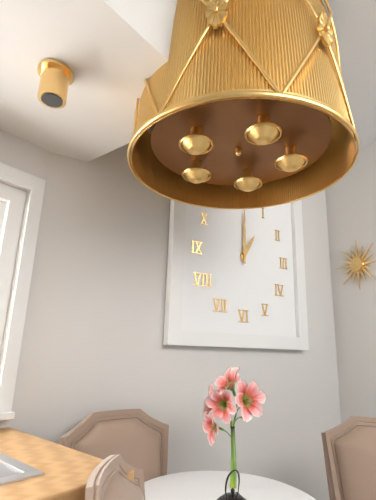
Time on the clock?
1:00
